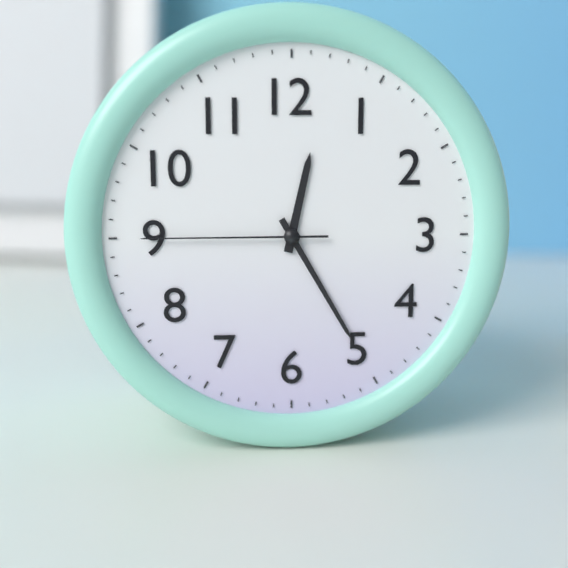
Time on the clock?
12:25:45
